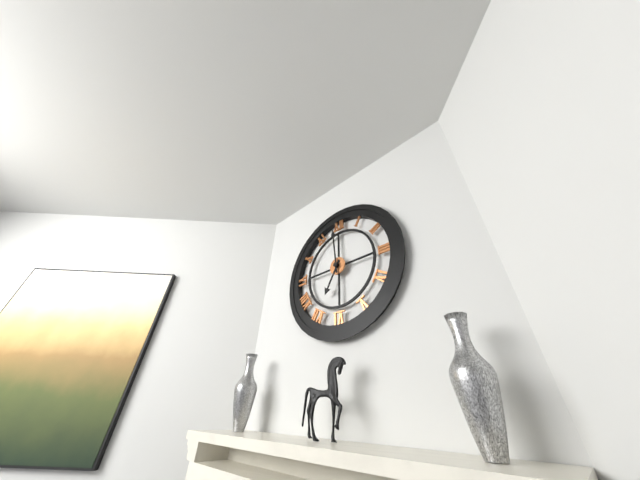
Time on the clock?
6:59
